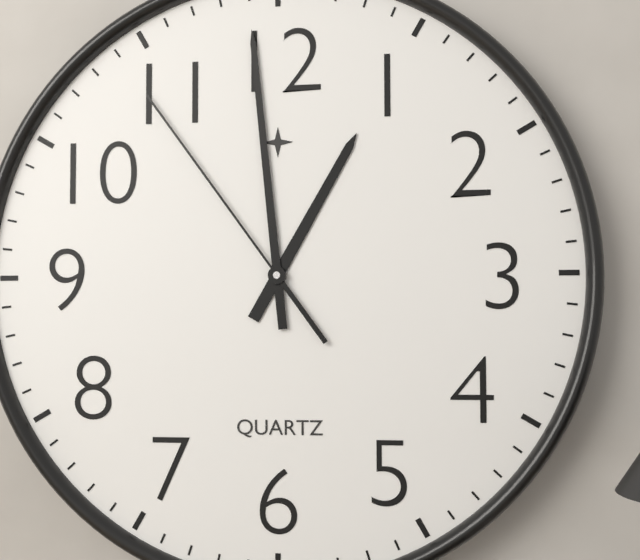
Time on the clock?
12:59:54
